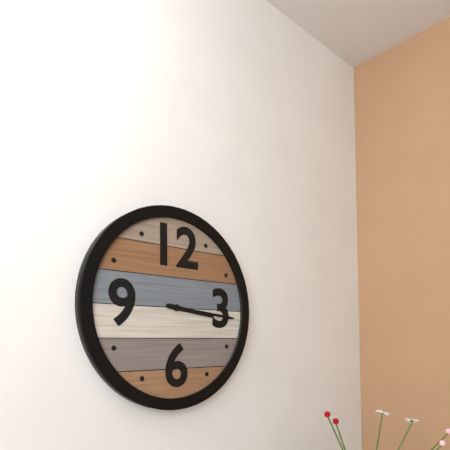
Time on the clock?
3:16
